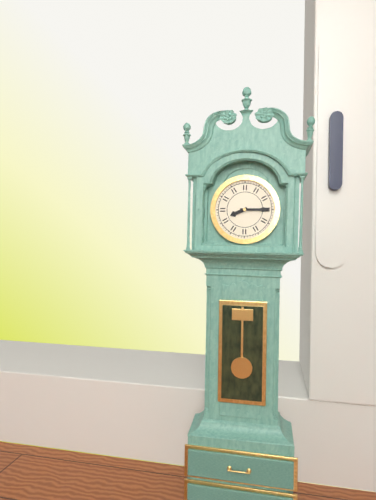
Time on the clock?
8:15
